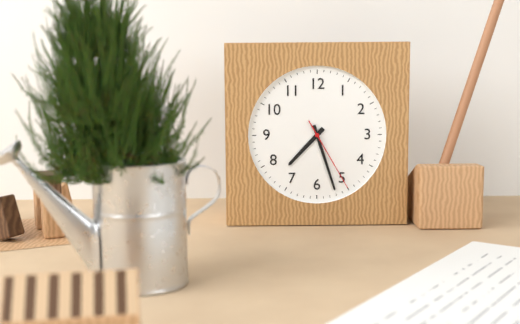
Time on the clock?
7:27:25
